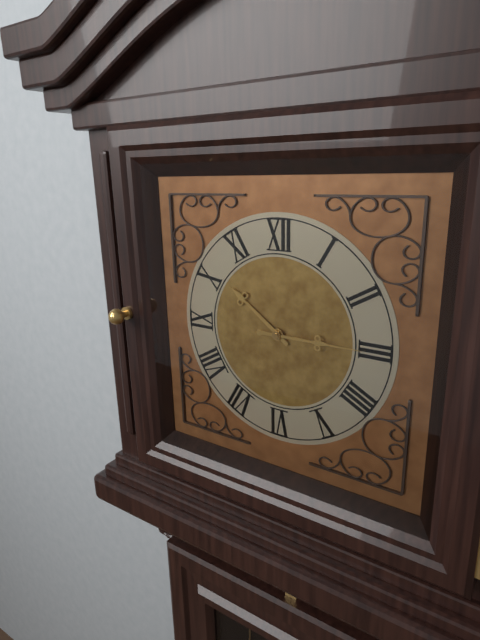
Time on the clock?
10:15
